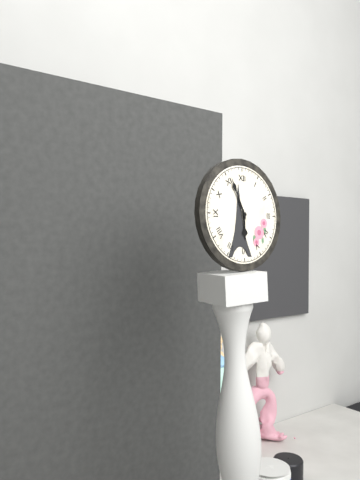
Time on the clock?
5:56
